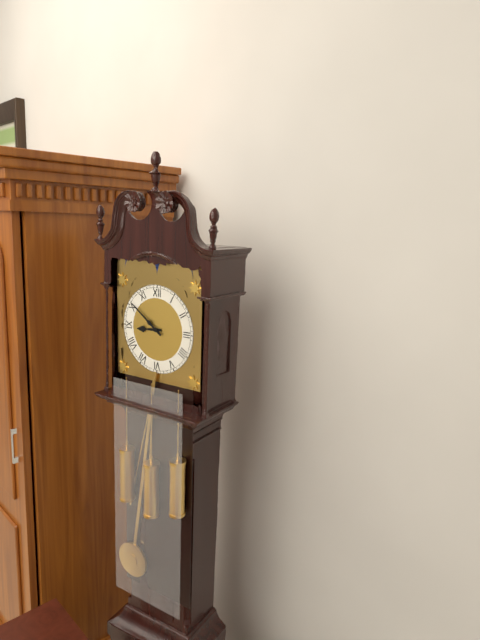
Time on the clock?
8:51
